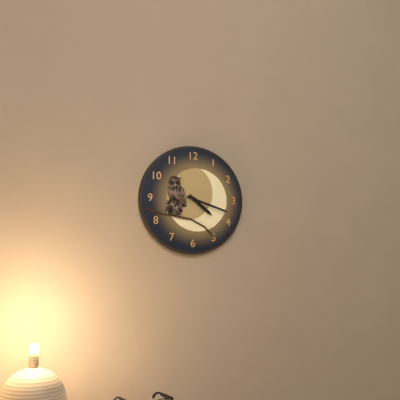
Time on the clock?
4:18
